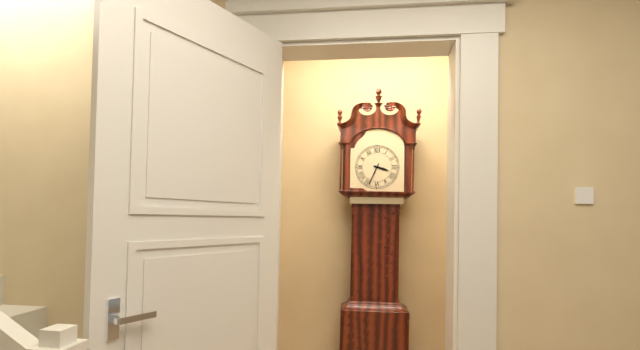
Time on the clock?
3:34
